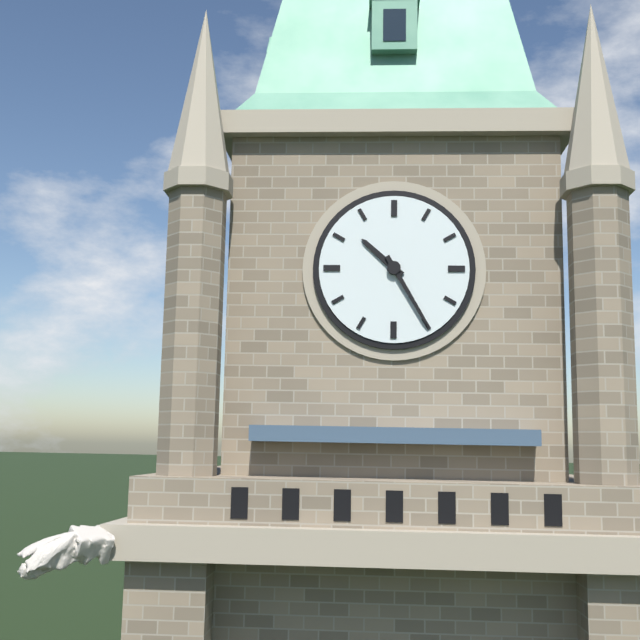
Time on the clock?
10:25
